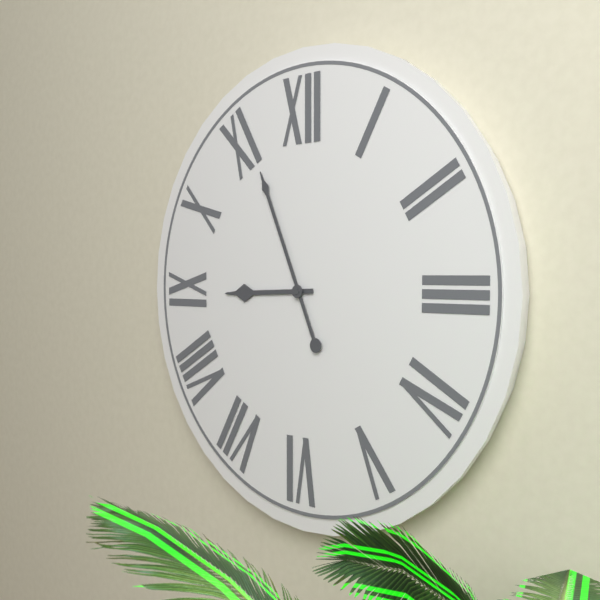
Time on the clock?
8:56
